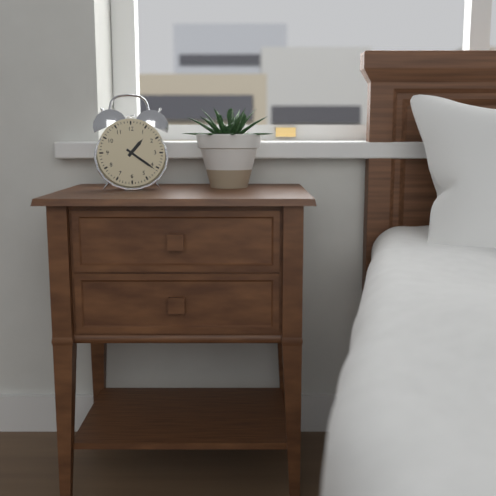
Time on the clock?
1:21
